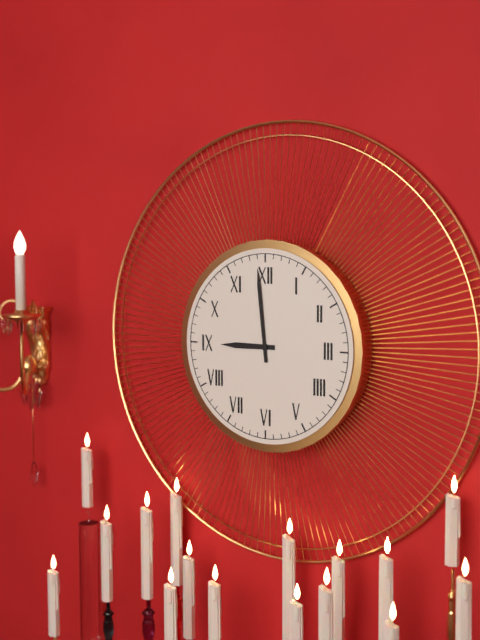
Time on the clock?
8:59
